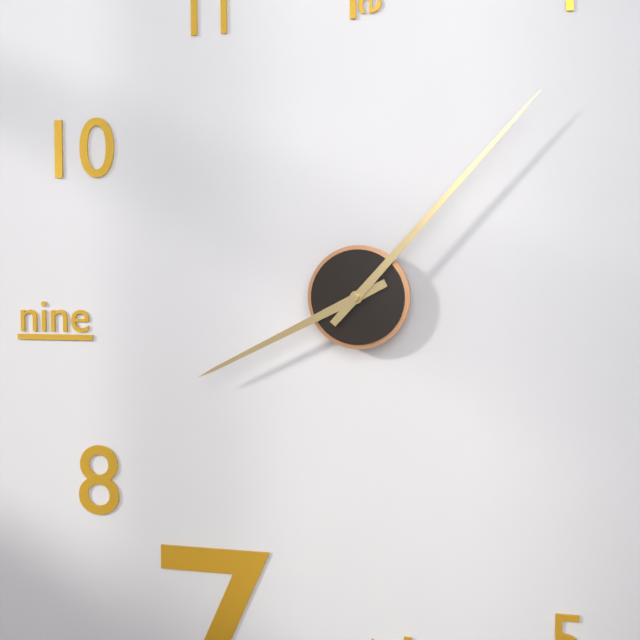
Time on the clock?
8:07
